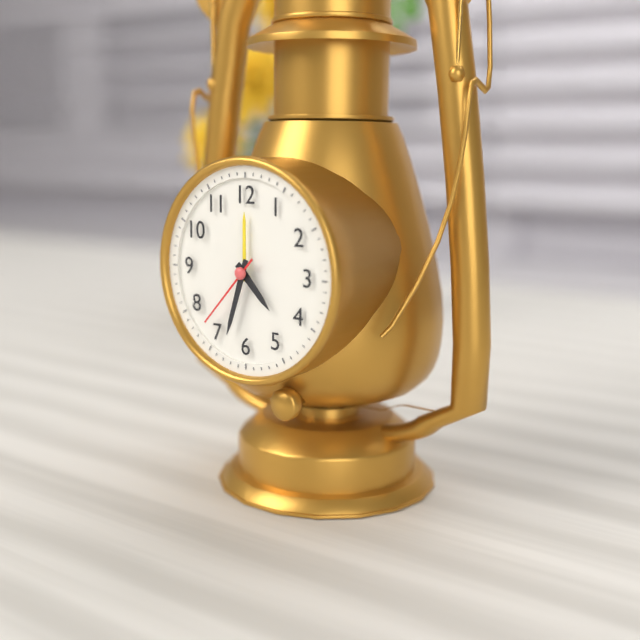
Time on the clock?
4:33:37
